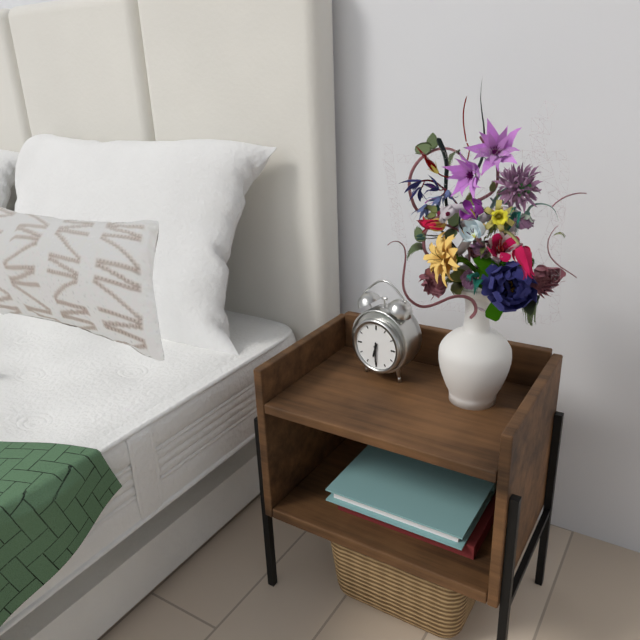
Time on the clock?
6:30
